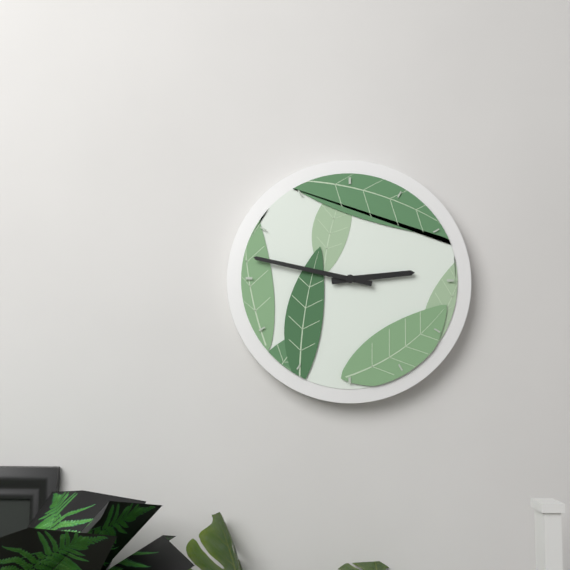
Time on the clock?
2:47
